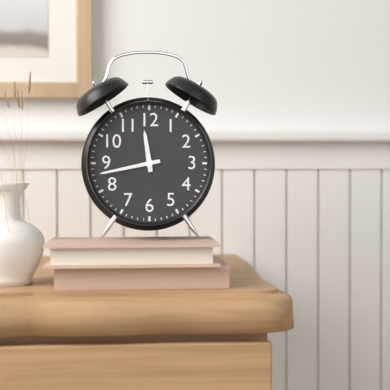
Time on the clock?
11:43
